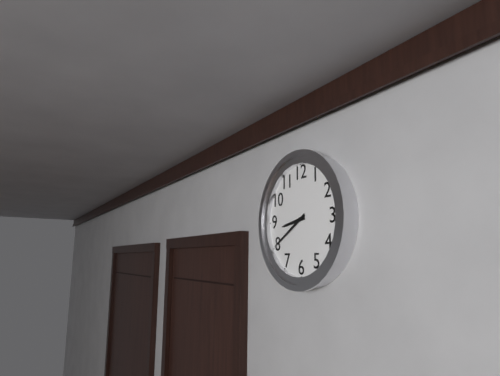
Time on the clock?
8:40
